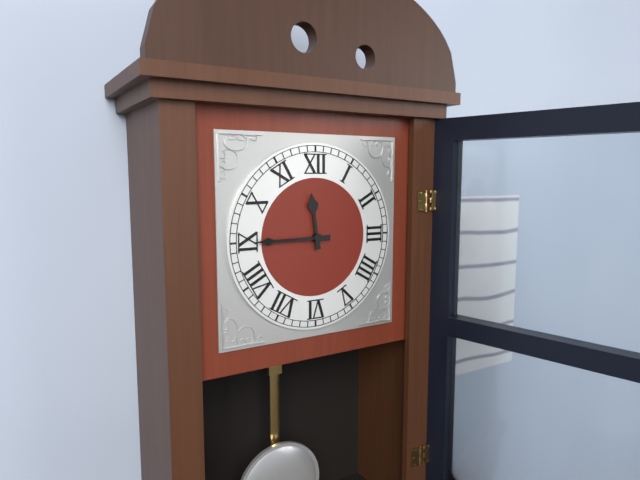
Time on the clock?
11:45
